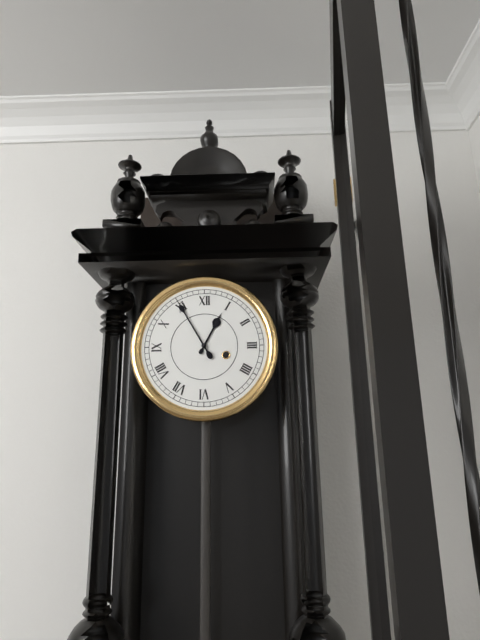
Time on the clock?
12:55
